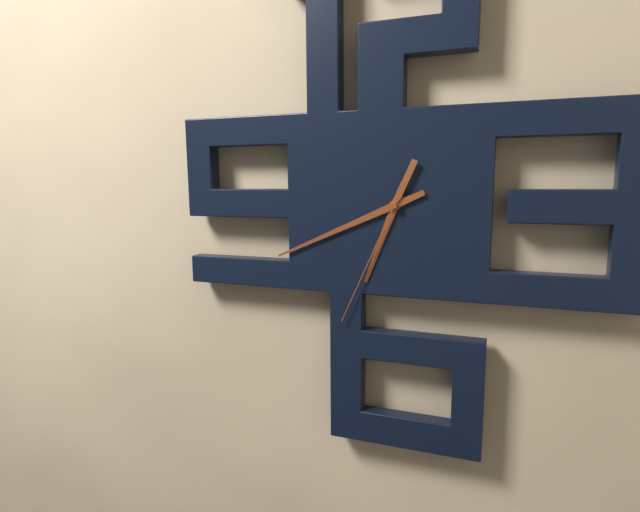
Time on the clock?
6:41:34
